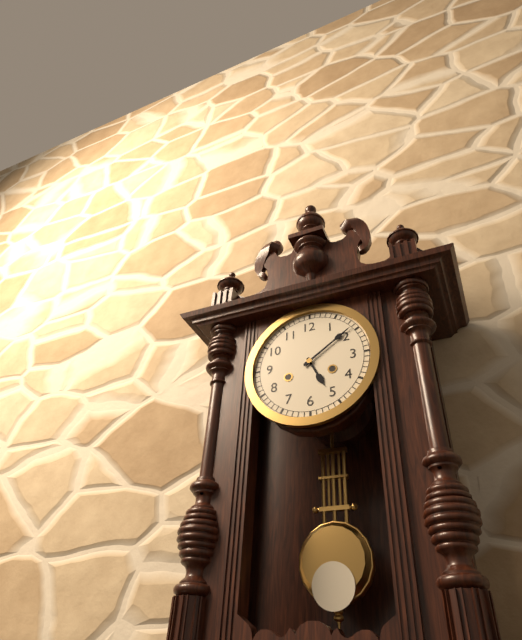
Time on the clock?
5:09
